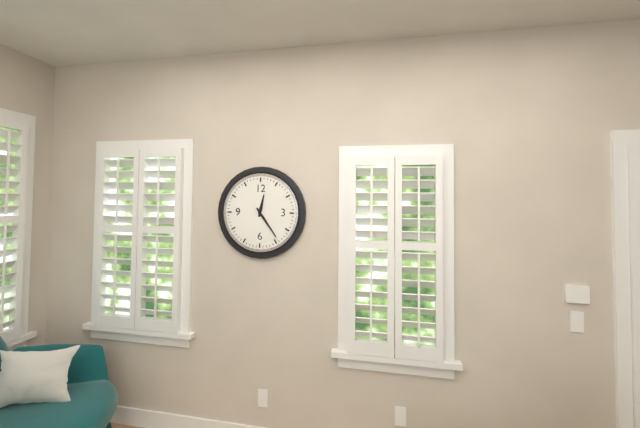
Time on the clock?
12:24
